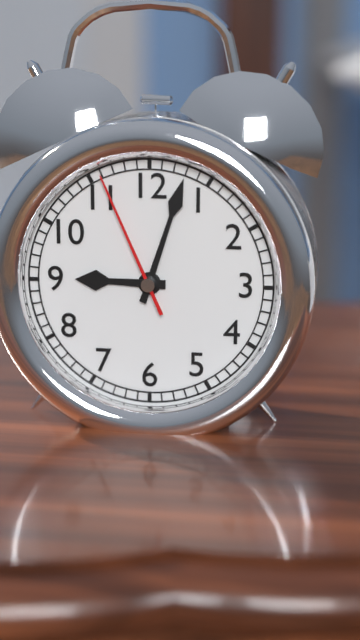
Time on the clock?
9:03:56
